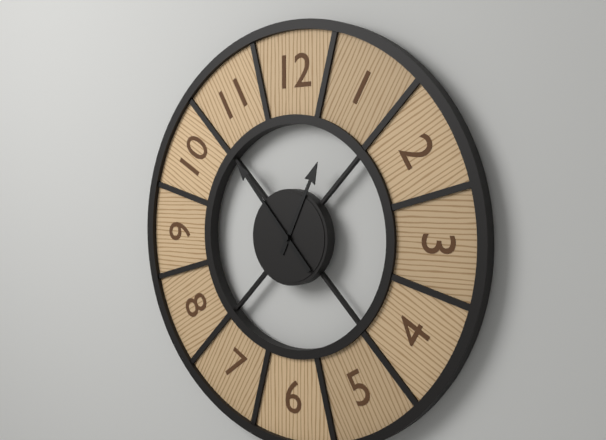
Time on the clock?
12:53
